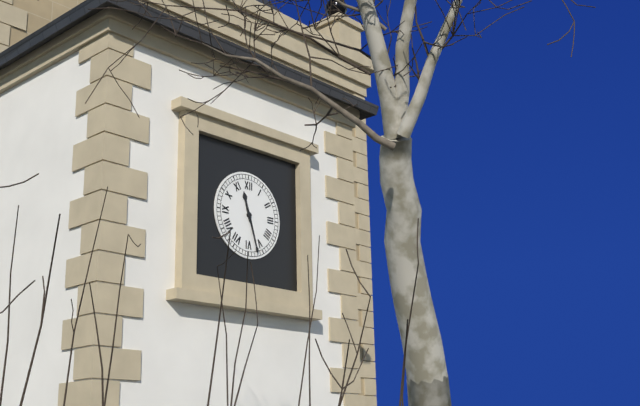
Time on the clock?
11:27
